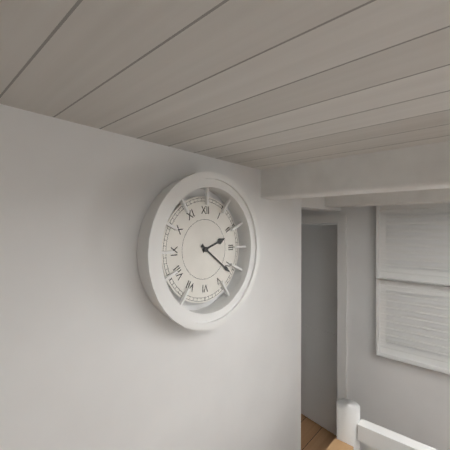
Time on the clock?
2:21
